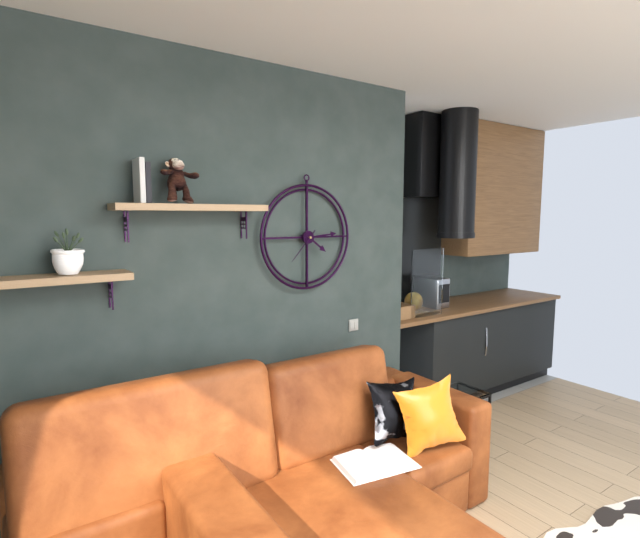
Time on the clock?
4:14
